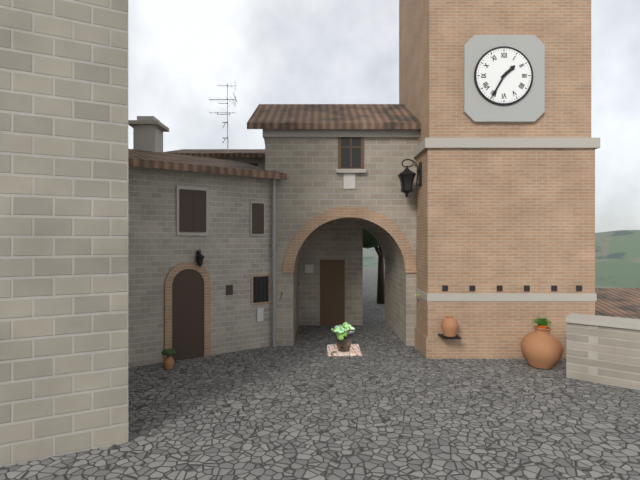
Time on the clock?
1:35
